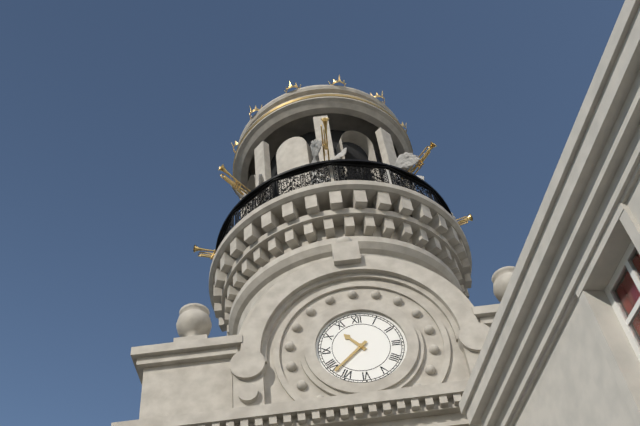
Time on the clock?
10:38
